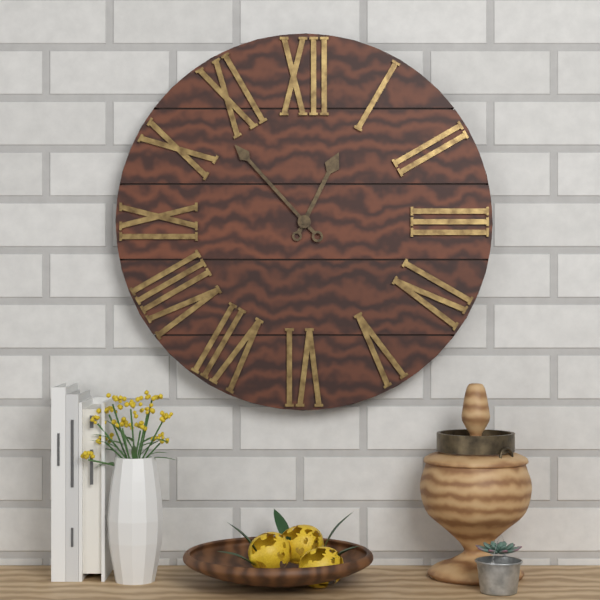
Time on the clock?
12:53
